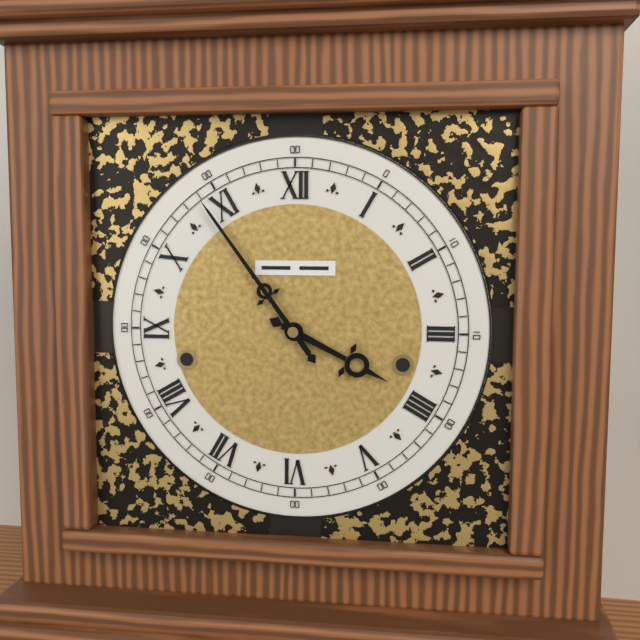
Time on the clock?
3:54
